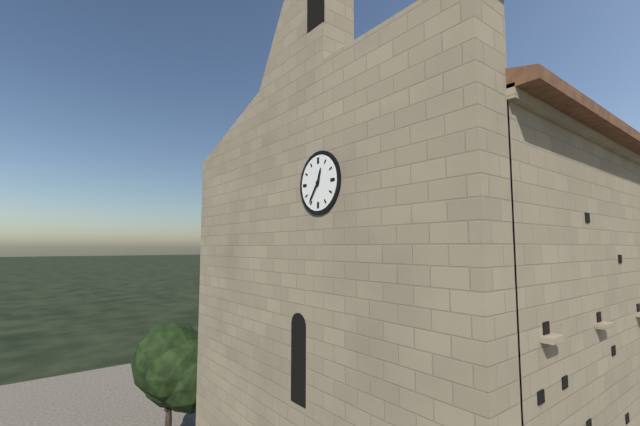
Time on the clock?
12:36
